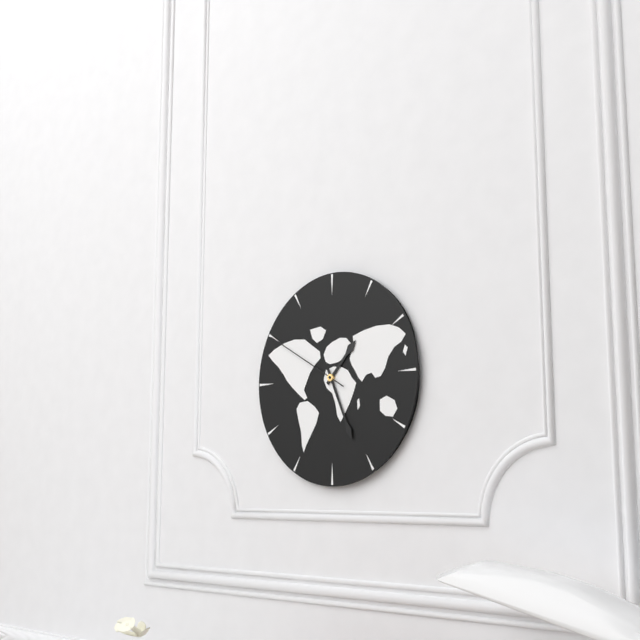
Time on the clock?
1:26:50
